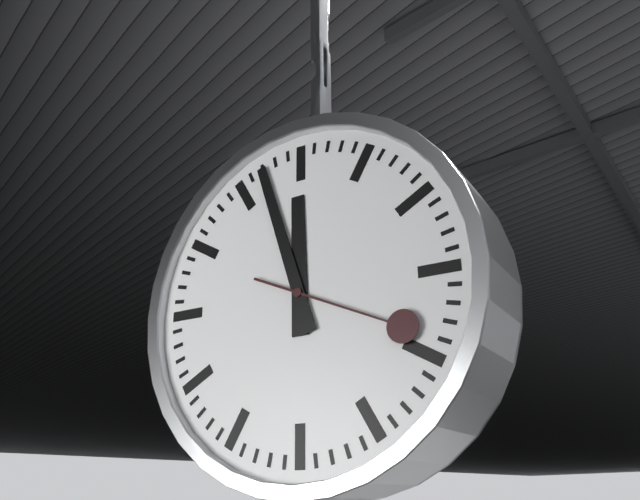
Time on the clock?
11:57:19
